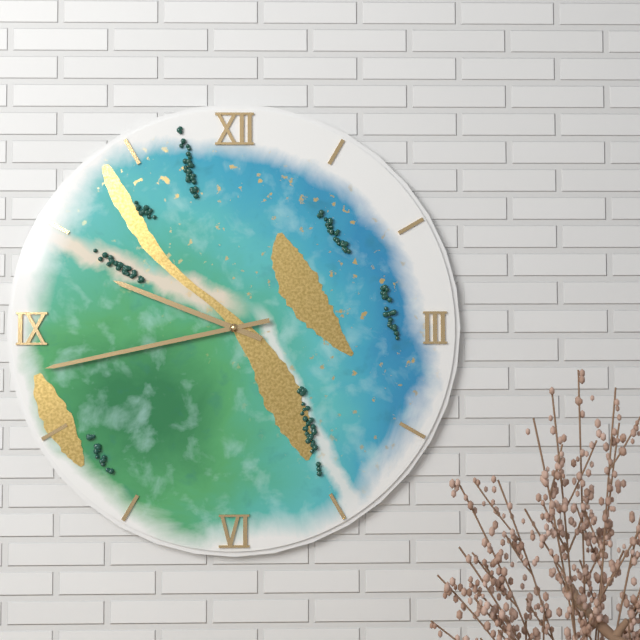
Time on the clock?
9:43
